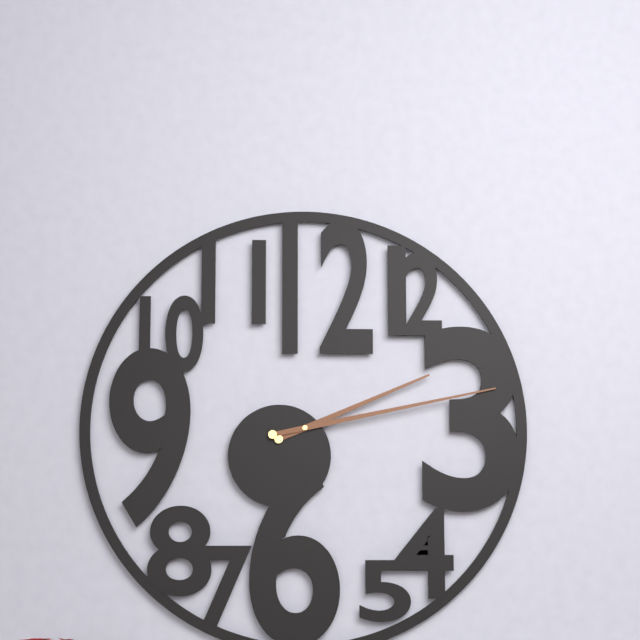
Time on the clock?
2:13
